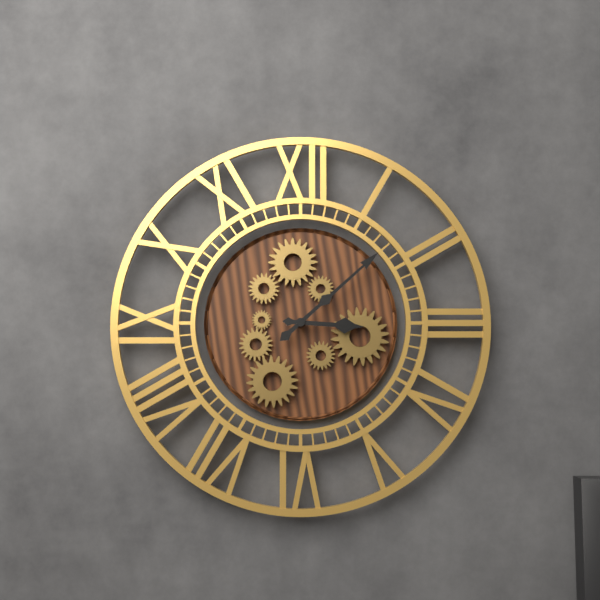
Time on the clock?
3:08
